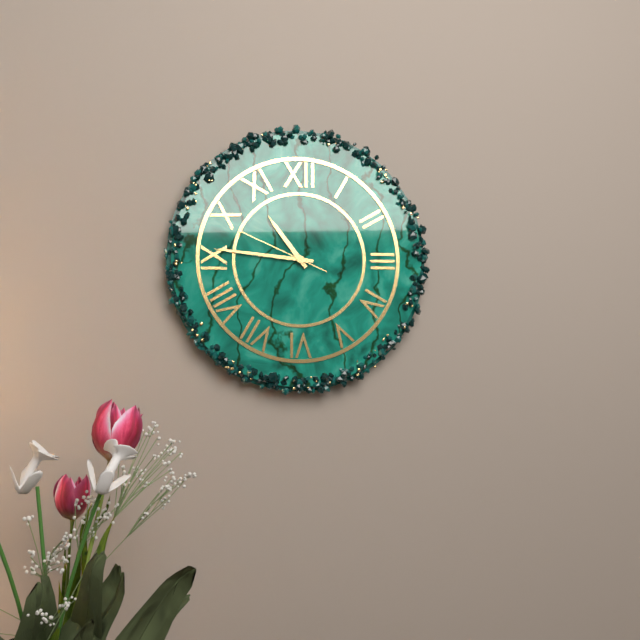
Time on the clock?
10:46:49
